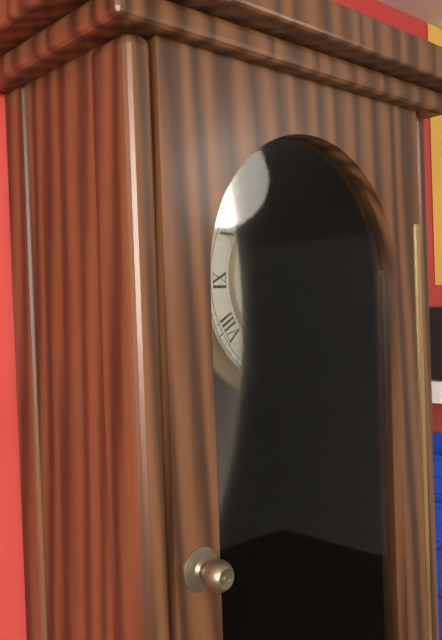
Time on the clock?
4:22
